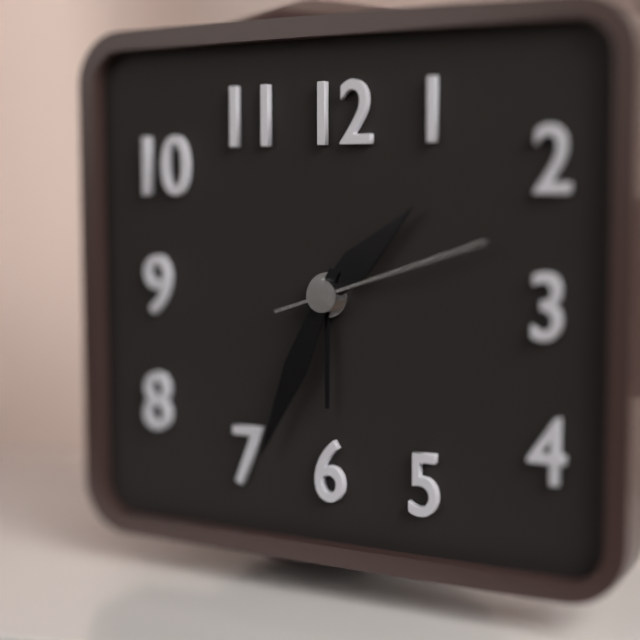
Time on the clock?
1:34:12
